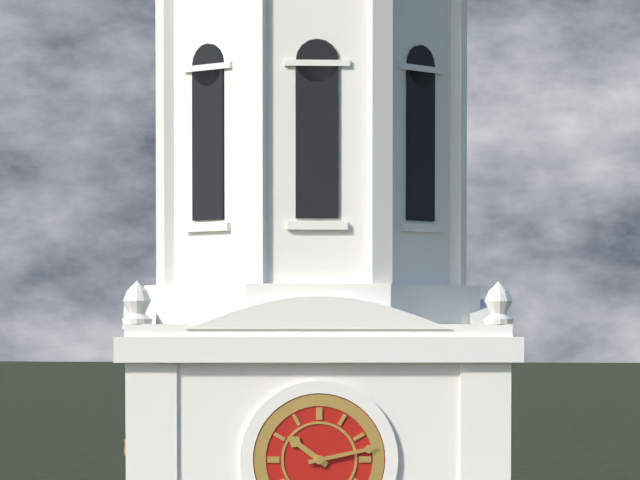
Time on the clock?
10:13
